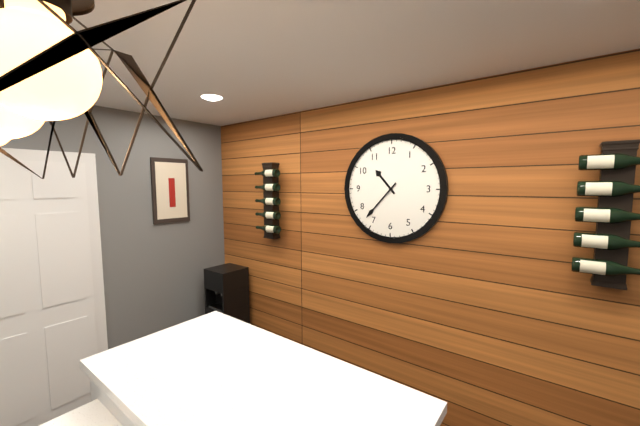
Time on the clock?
10:37
